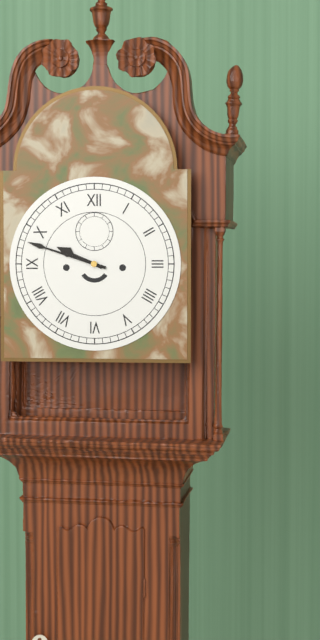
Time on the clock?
9:48
